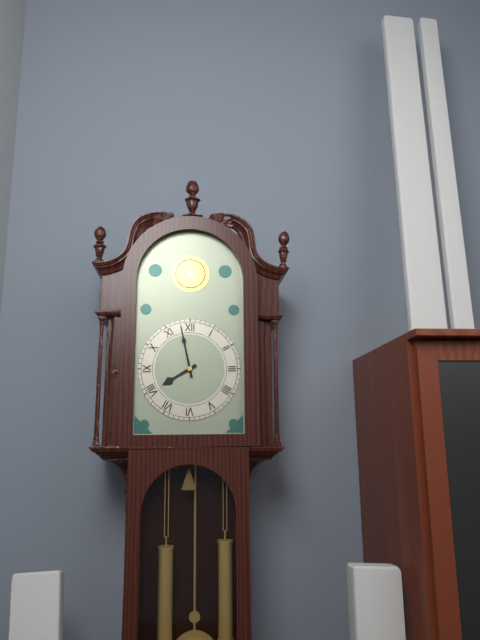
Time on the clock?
7:58
